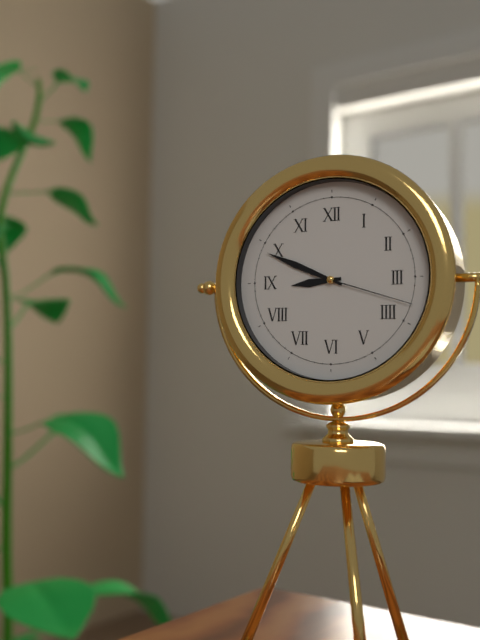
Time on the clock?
8:49:18
